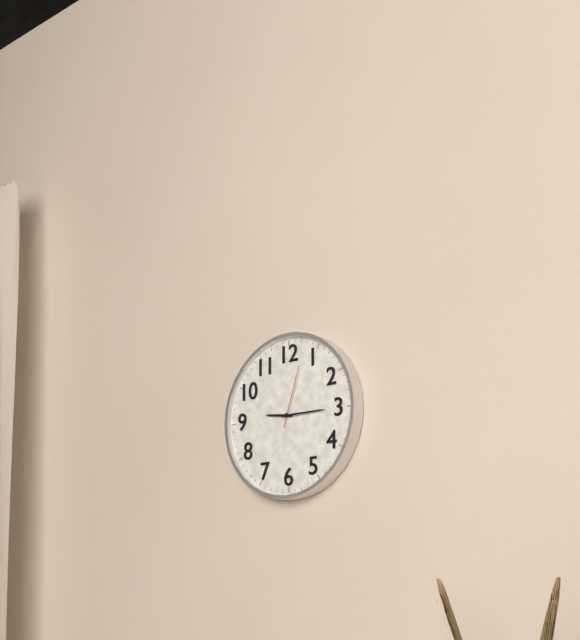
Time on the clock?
9:15:03
